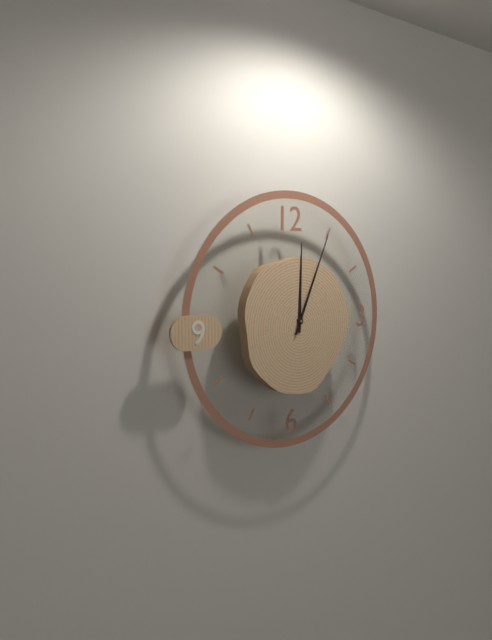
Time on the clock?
12:04
